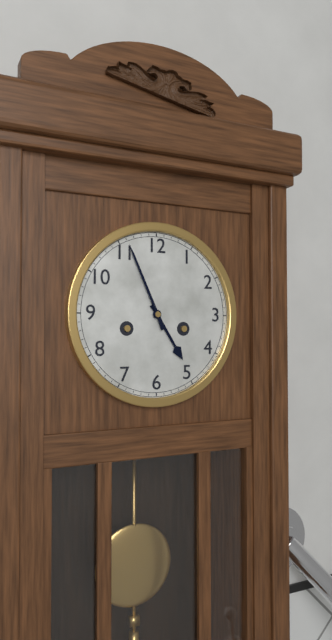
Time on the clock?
4:56
